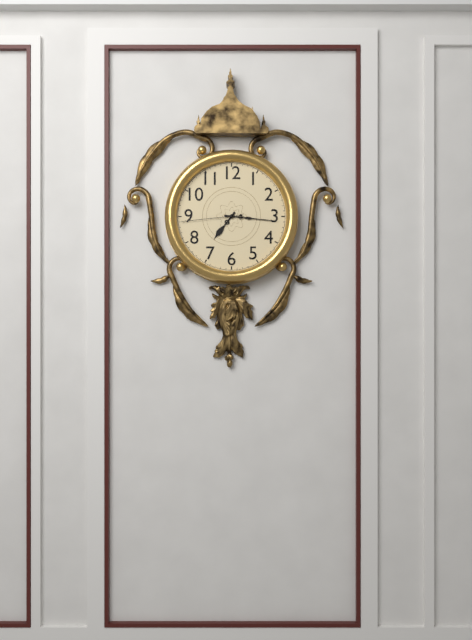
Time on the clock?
7:16:44
